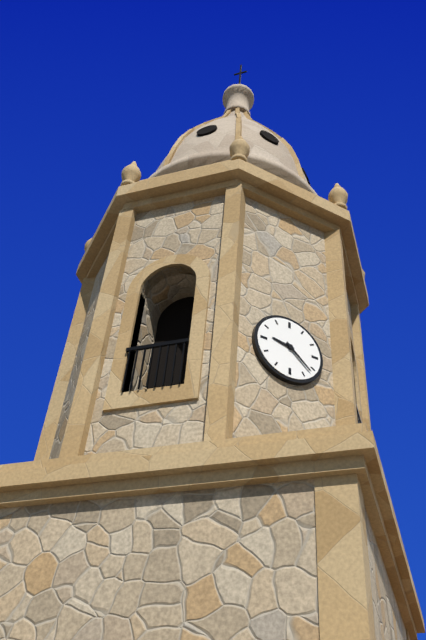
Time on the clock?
9:22
